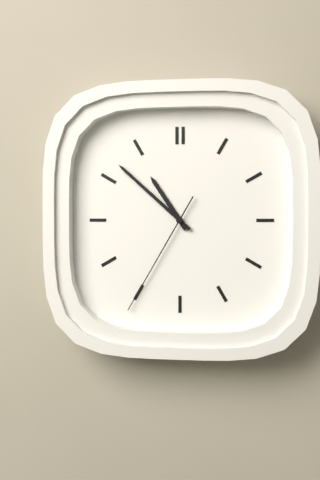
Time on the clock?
10:52:35
